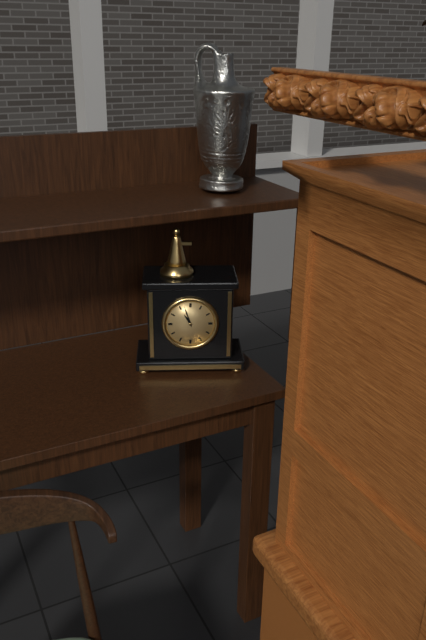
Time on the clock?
10:57
